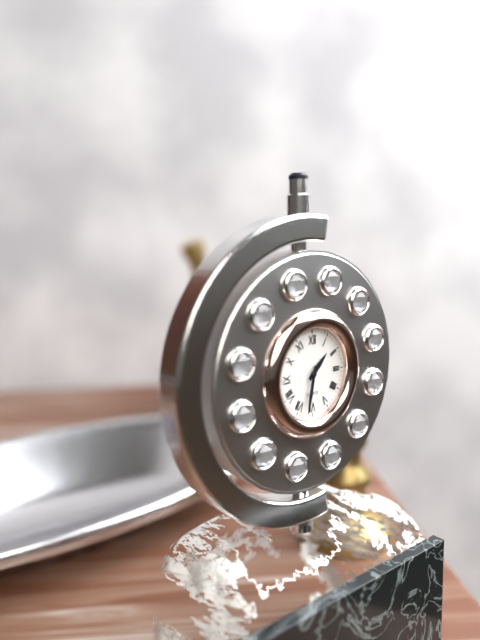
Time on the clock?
1:32
